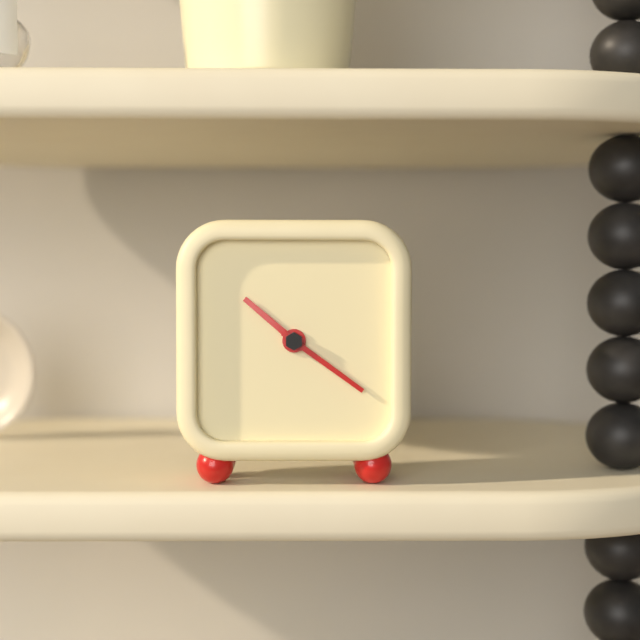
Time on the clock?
10:21
